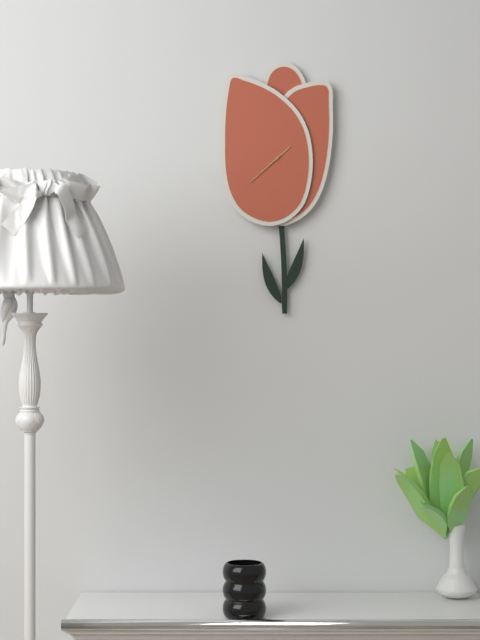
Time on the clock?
1:38
